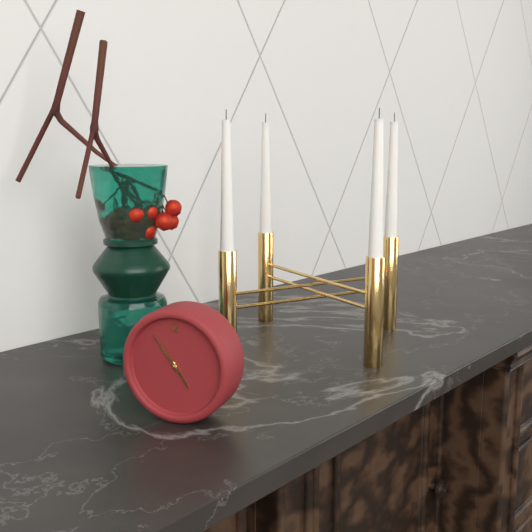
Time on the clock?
4:54
